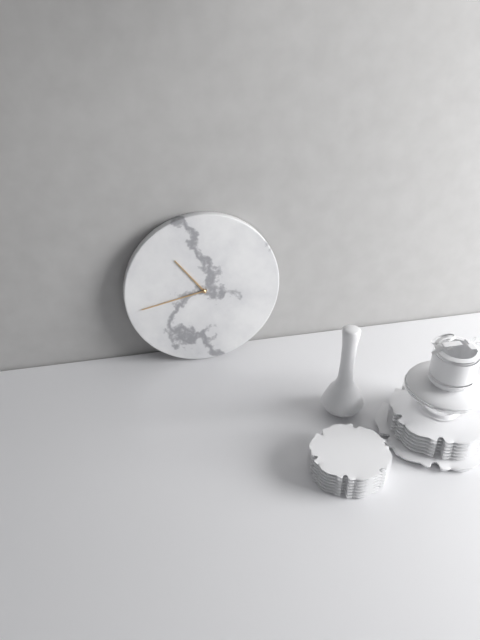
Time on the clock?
10:43
